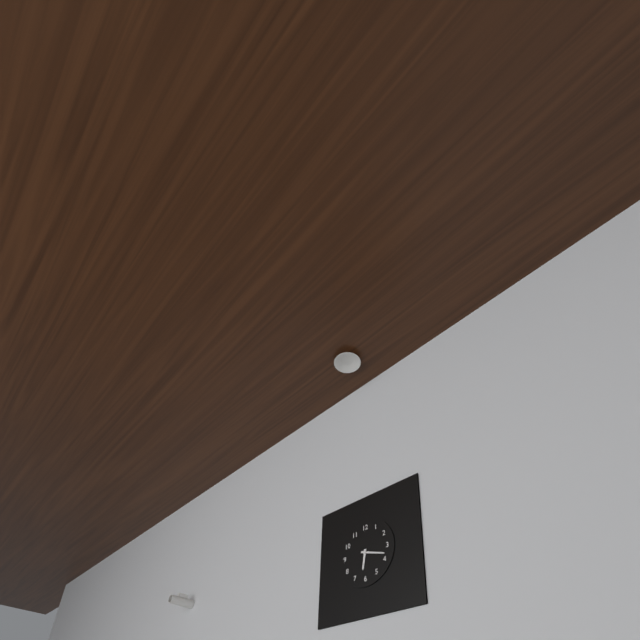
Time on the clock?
6:18
